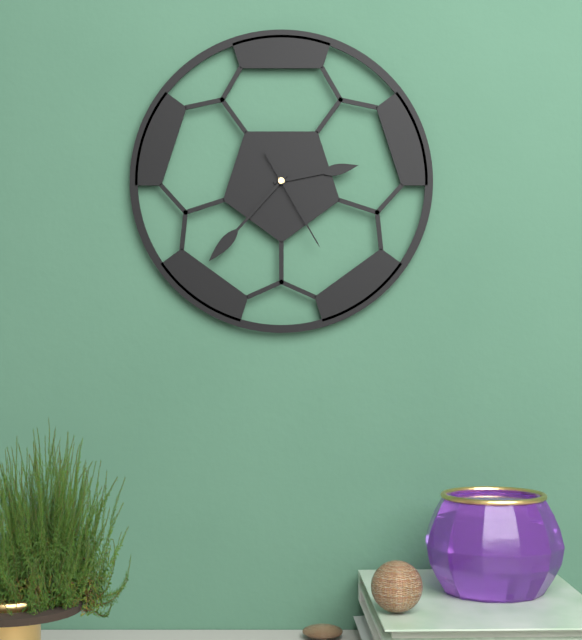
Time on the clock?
2:37:25
